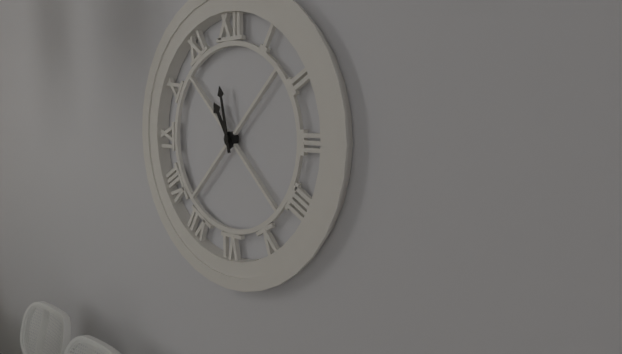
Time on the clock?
10:58
